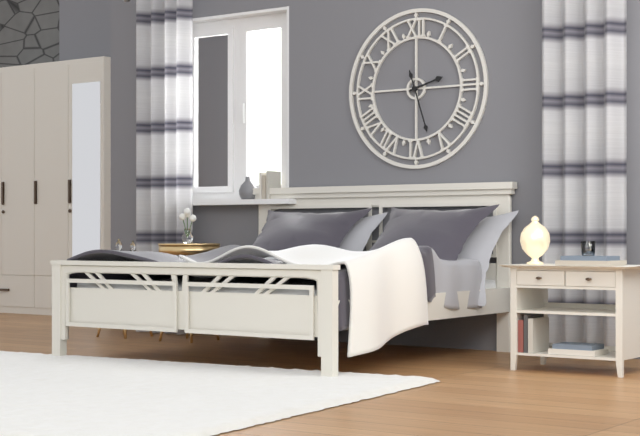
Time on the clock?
2:27
